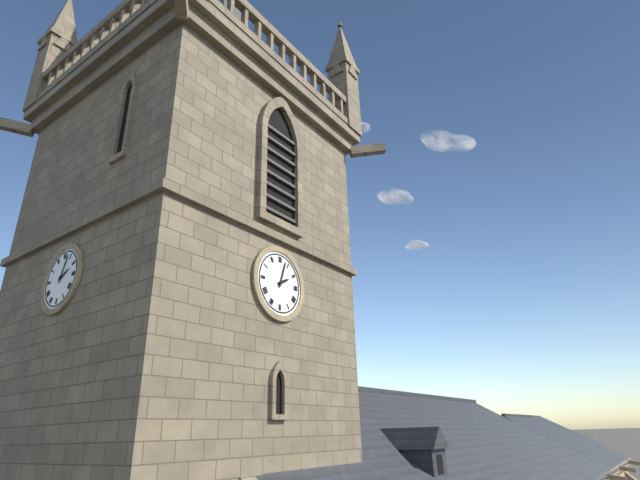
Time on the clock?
2:03
